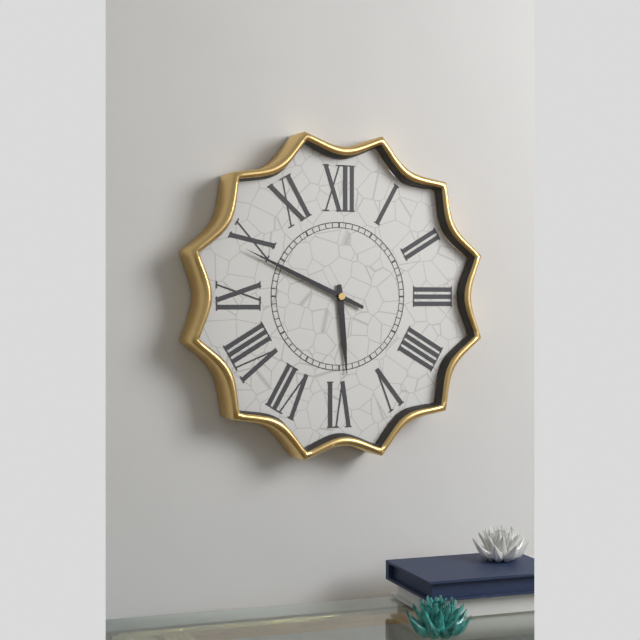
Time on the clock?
5:49
